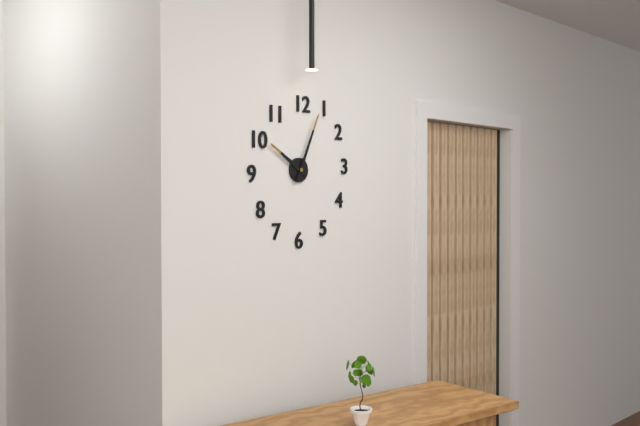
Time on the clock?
10:04
